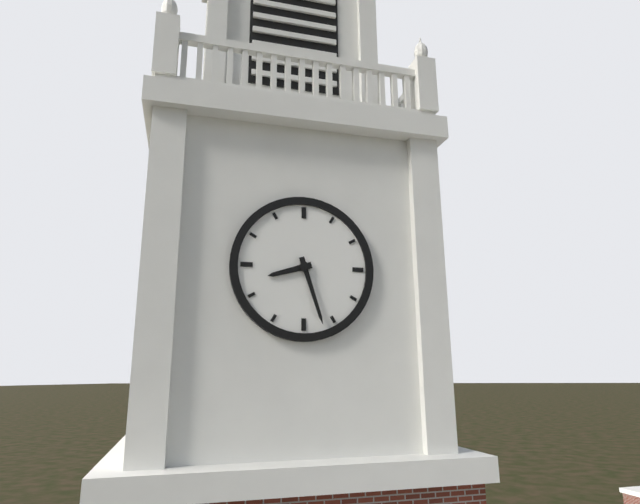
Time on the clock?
8:27
